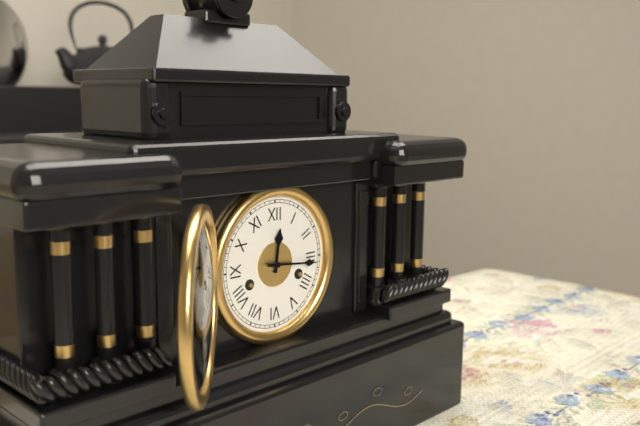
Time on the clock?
12:16
